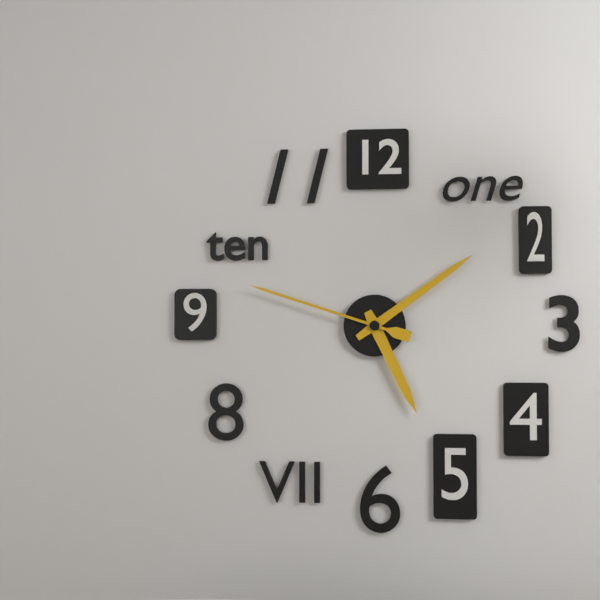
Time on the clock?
5:09:48
